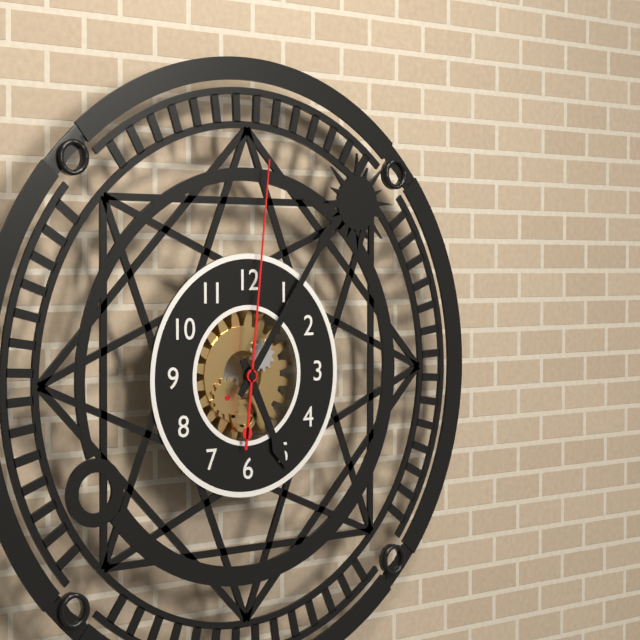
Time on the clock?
5:06:01
